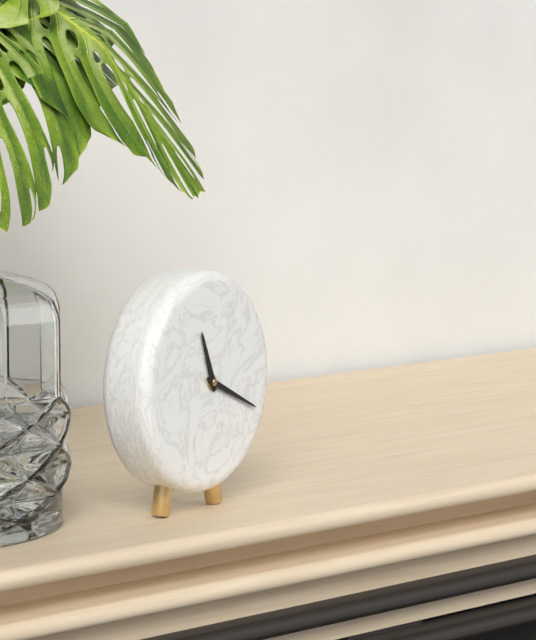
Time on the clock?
11:19
